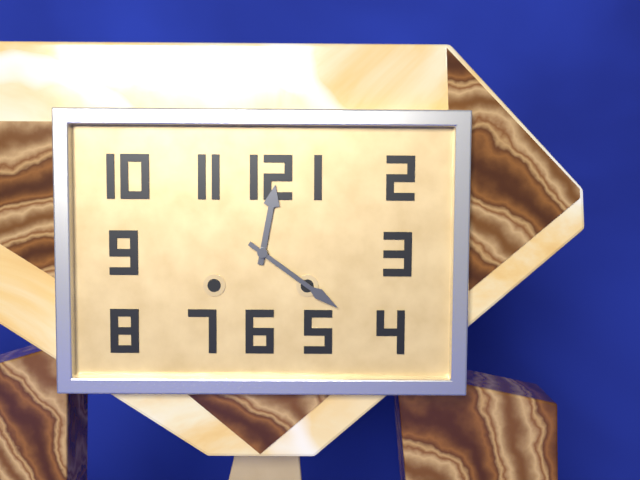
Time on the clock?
12:21
